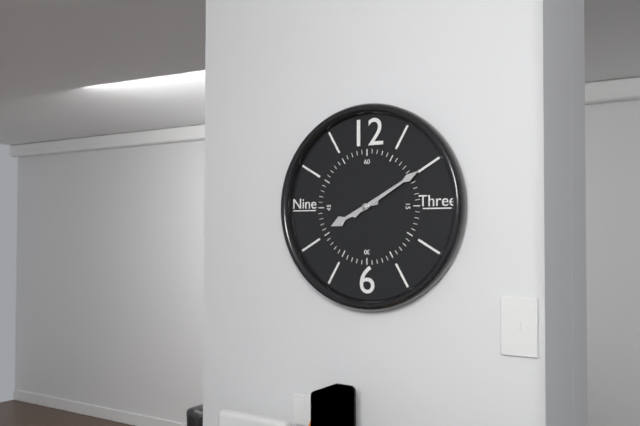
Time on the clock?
8:10
